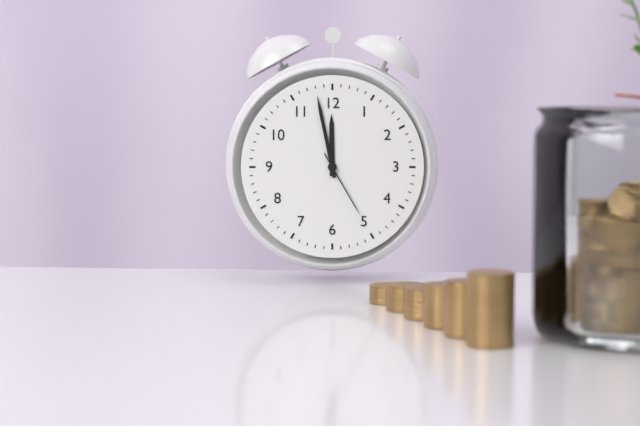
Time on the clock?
11:58:25
